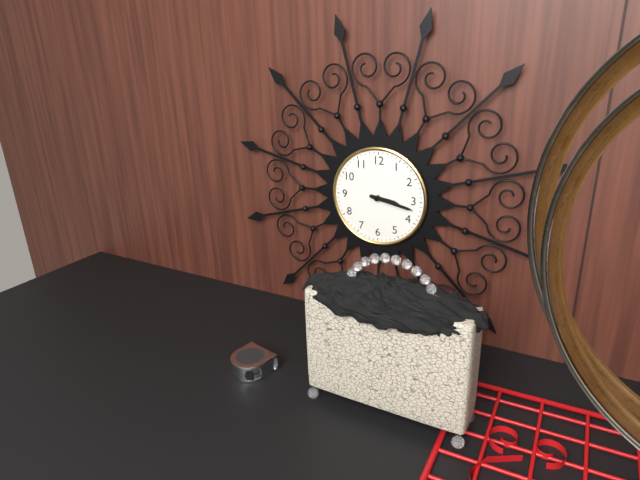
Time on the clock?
3:17
